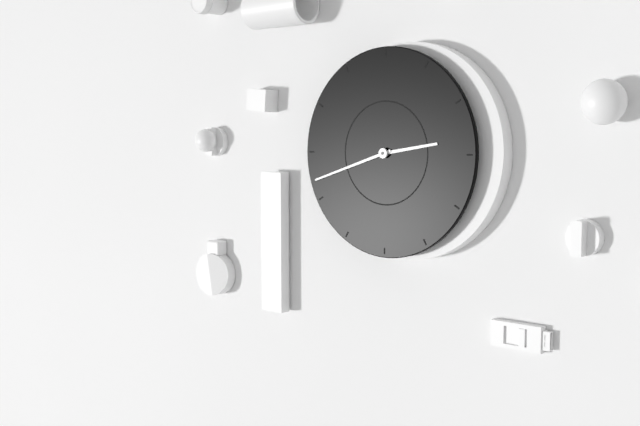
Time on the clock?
2:42
